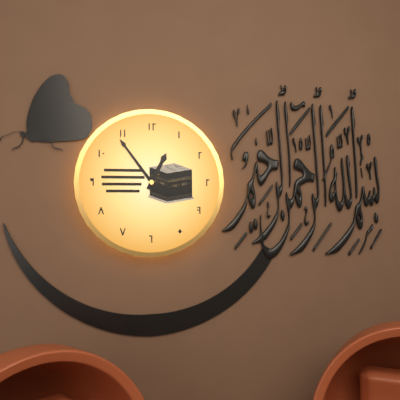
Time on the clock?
12:54
